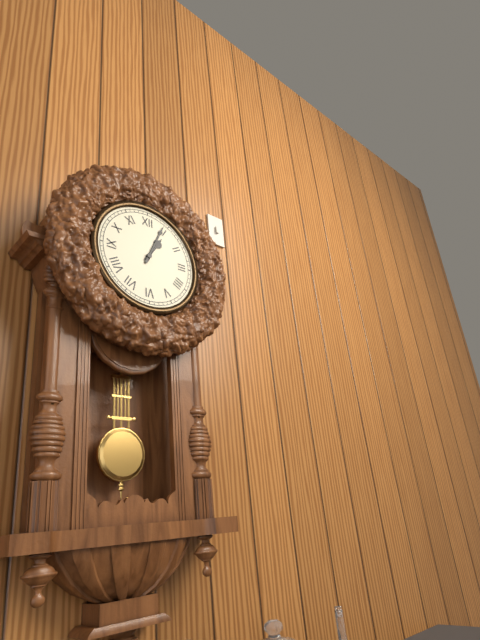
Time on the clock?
1:04
